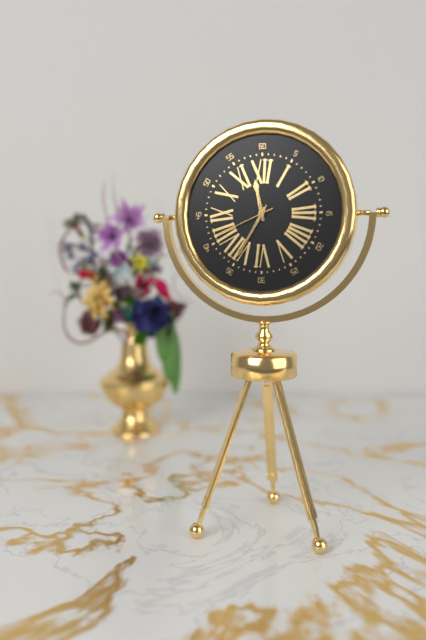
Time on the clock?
11:35:41
